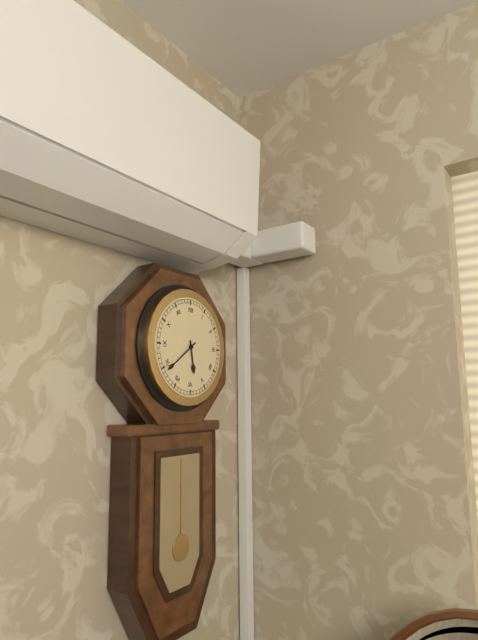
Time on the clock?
5:39
